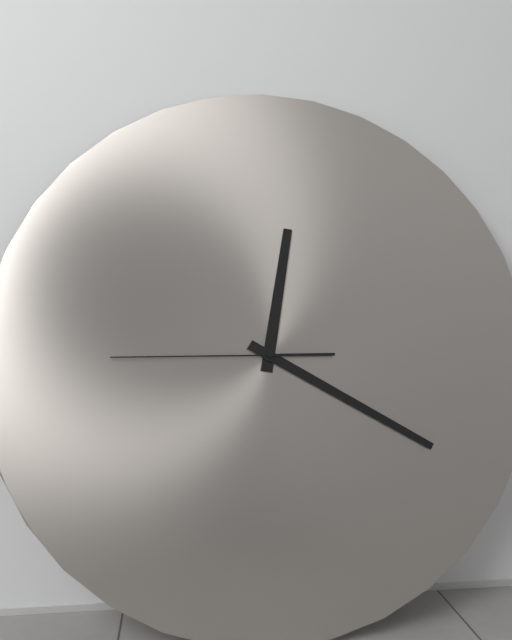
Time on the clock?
12:20:45
